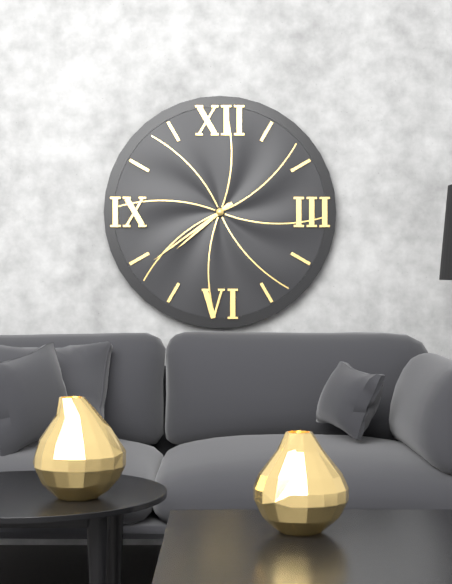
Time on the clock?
7:39
